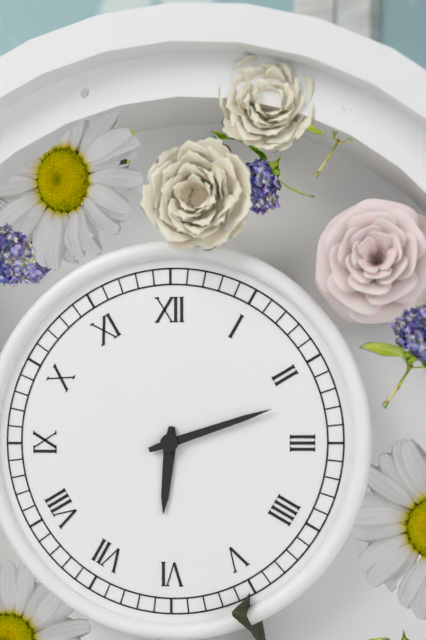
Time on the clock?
6:12
